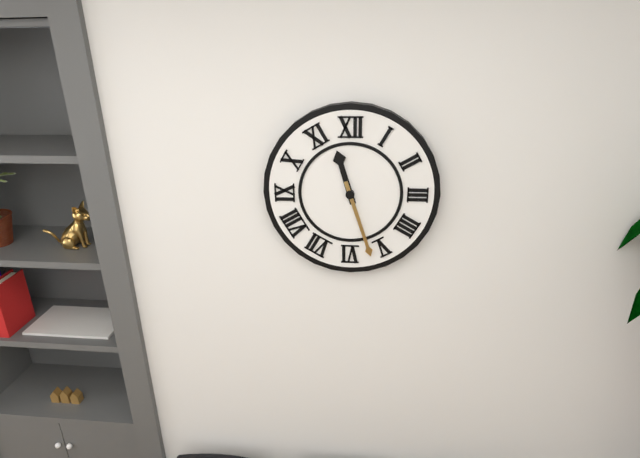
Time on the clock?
11:27
